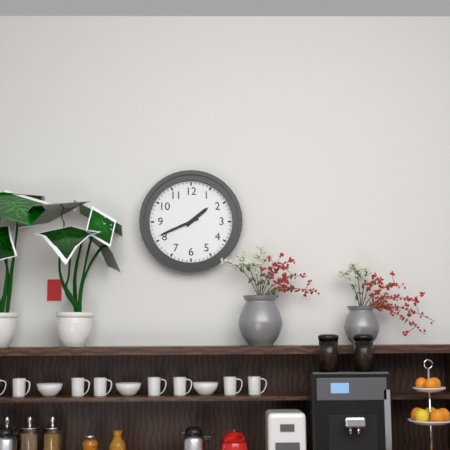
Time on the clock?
1:41
